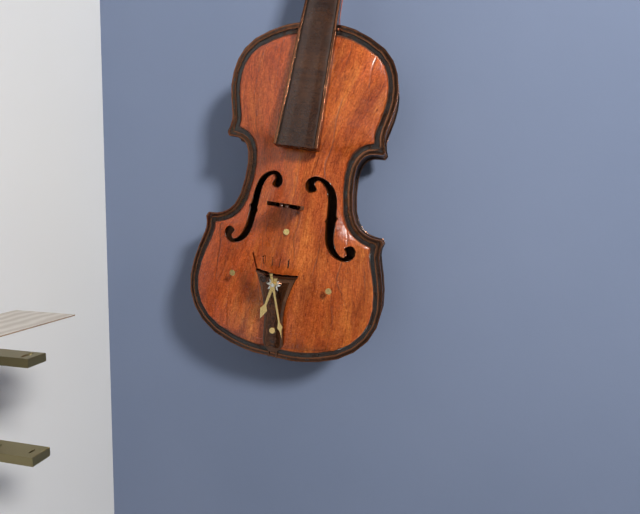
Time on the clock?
6:27
